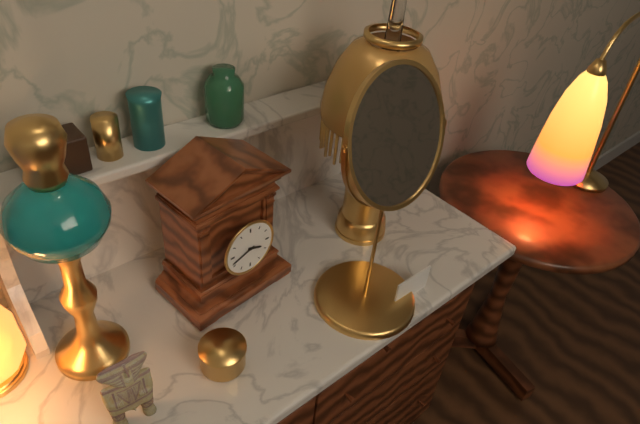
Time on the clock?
3:42
